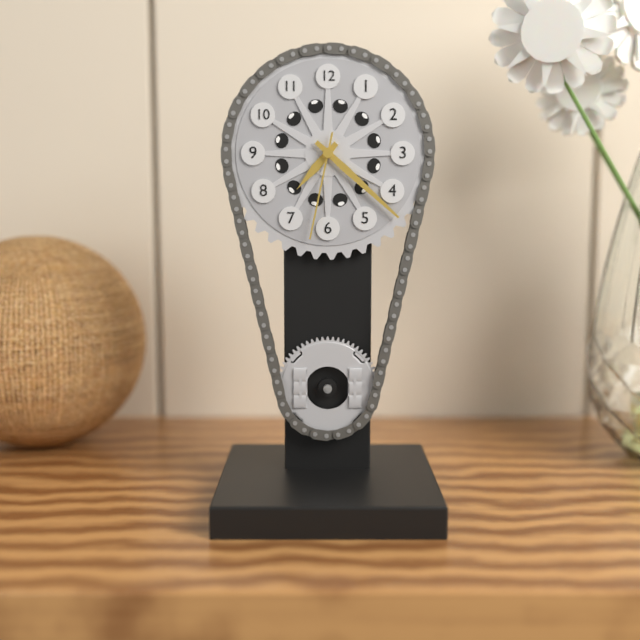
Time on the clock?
7:22:32
